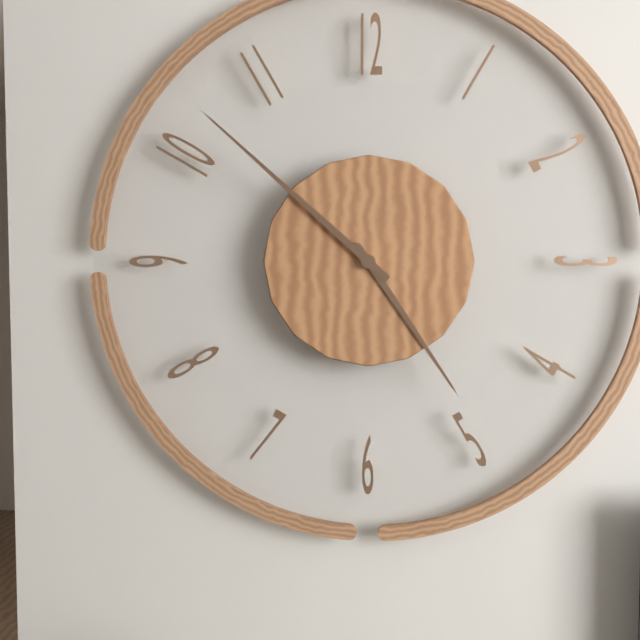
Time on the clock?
4:52
